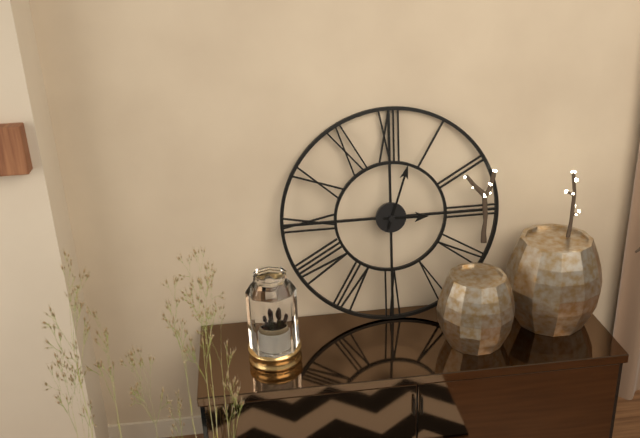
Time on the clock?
3:03
